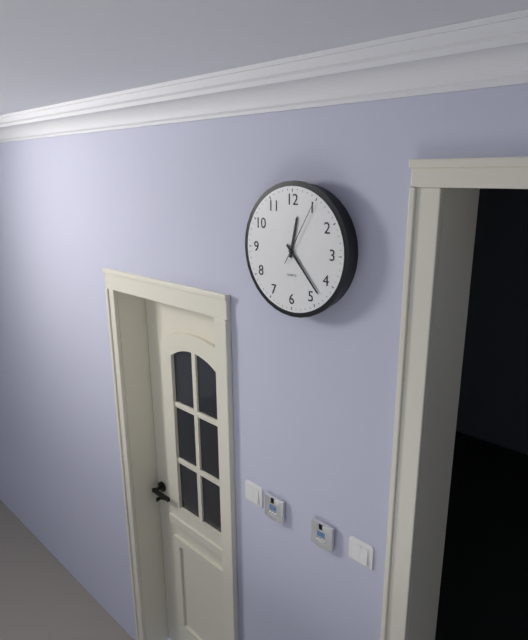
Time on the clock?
12:23:05
